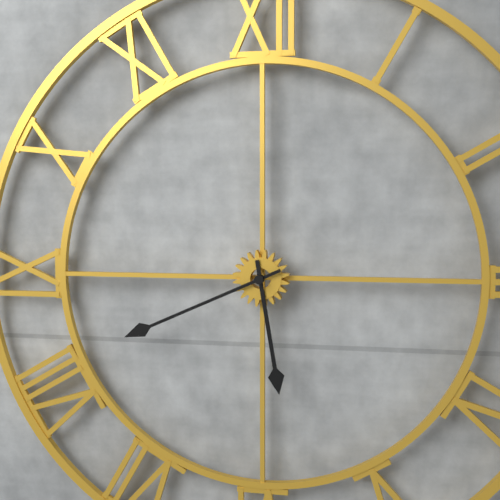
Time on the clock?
5:41
